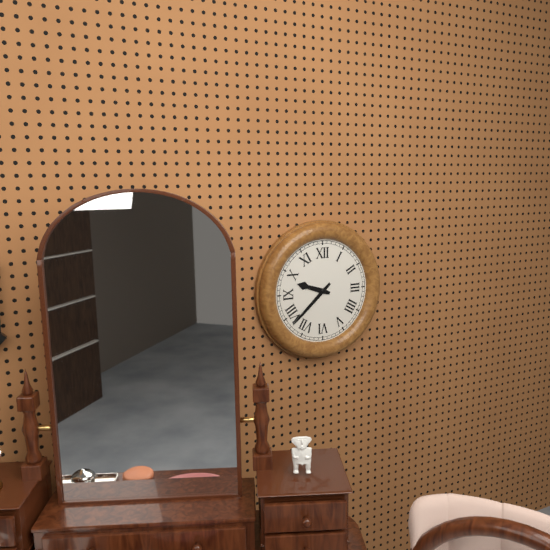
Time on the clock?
9:38
